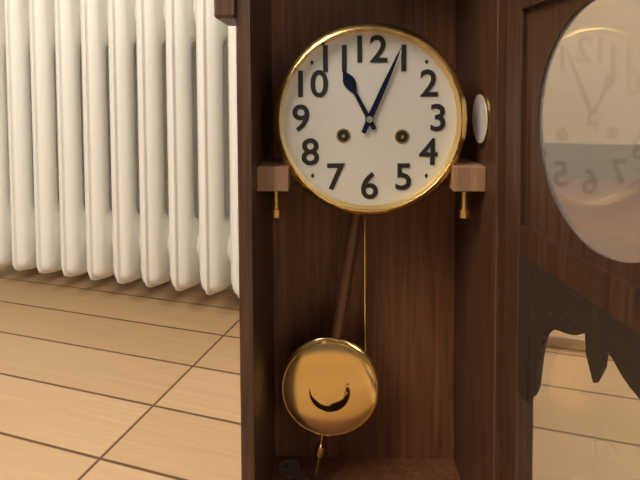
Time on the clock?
11:04
